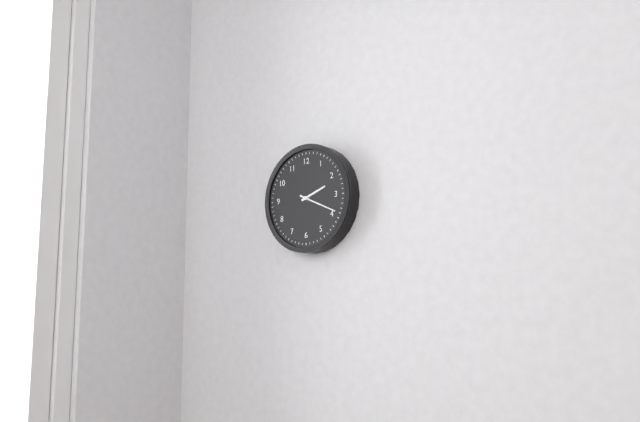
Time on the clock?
2:19
